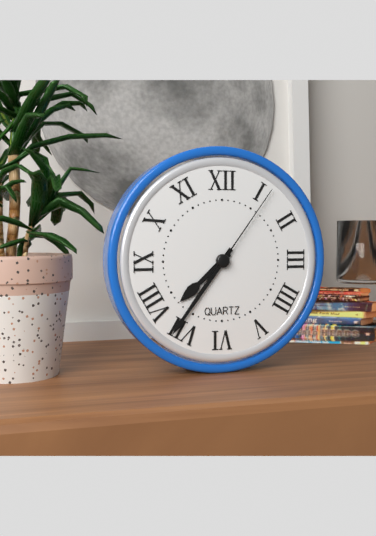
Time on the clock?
7:36:06
